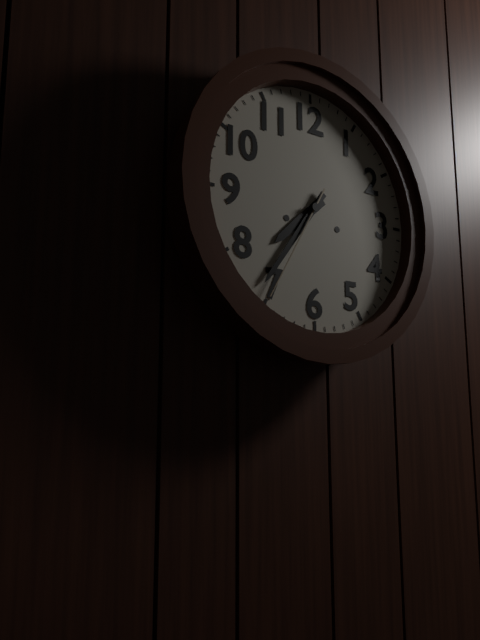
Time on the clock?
7:36:35
